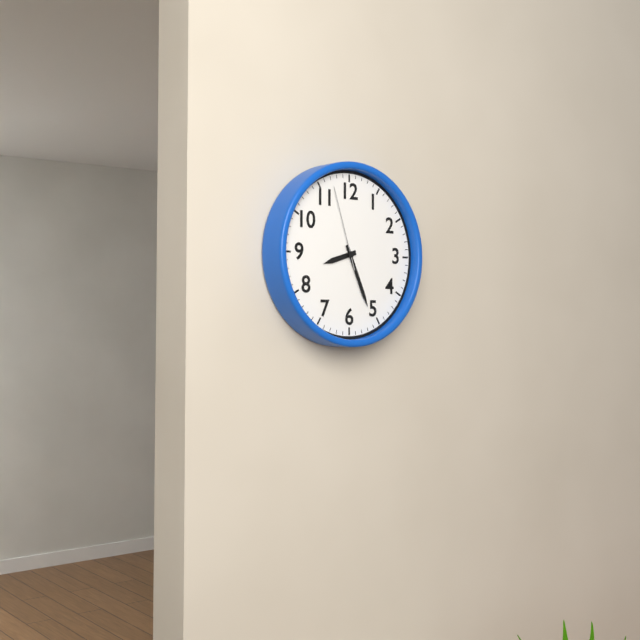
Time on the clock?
8:26:57
